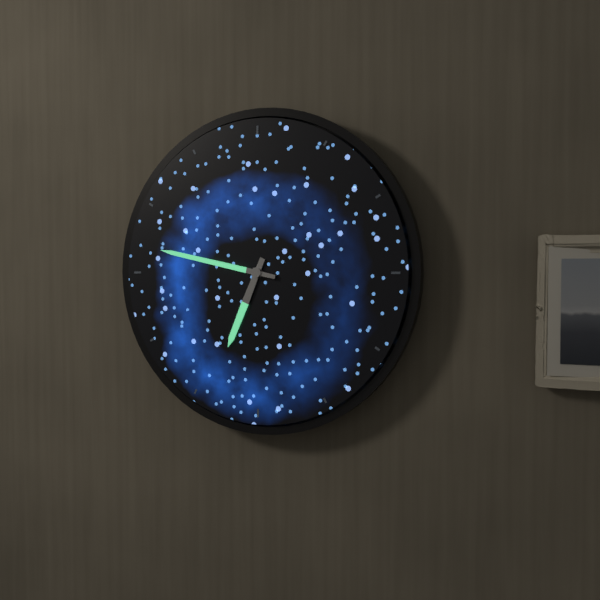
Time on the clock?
6:47
